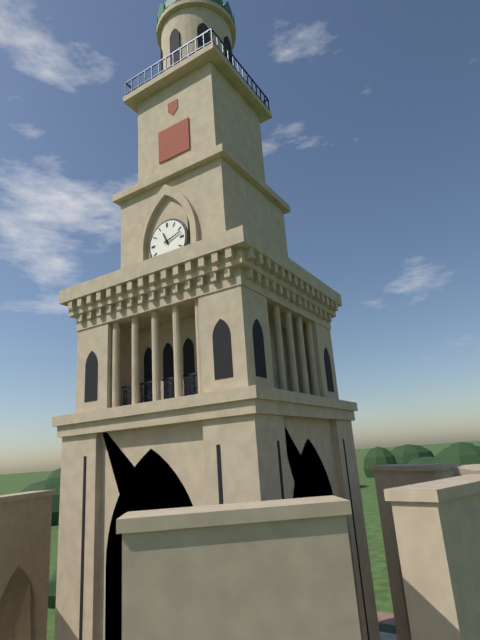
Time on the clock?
11:12
